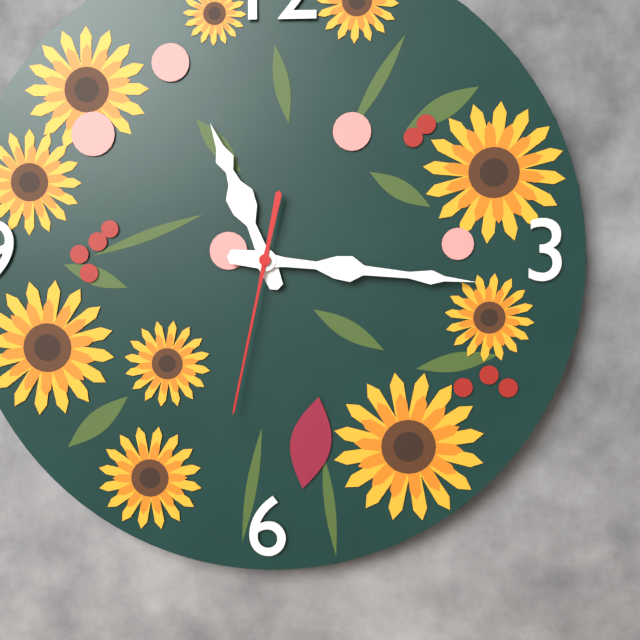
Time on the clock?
11:16:32
